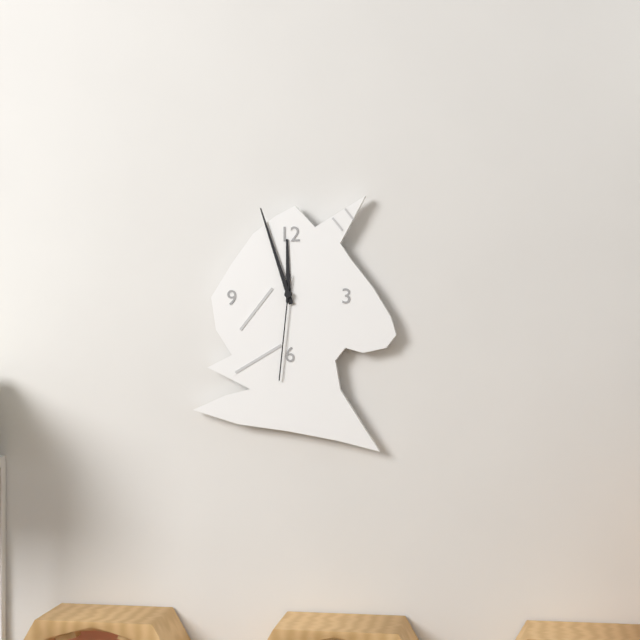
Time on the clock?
11:57:31
